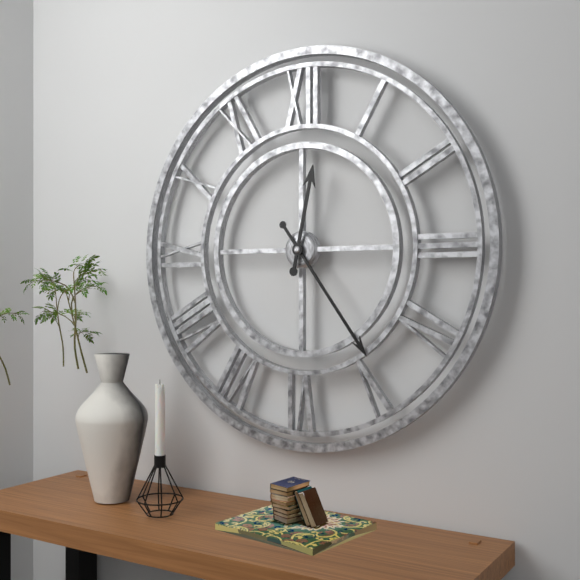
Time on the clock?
12:24
